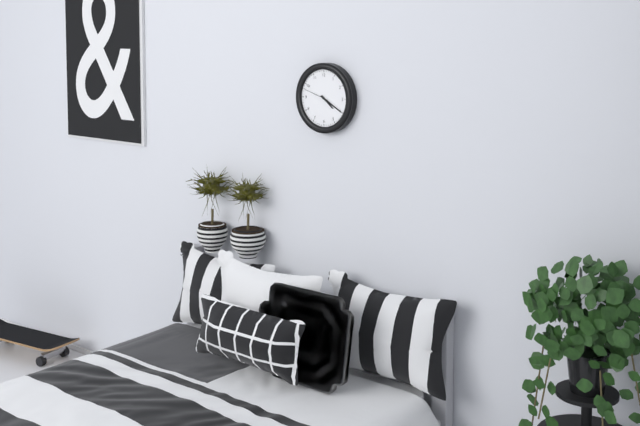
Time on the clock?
4:20
